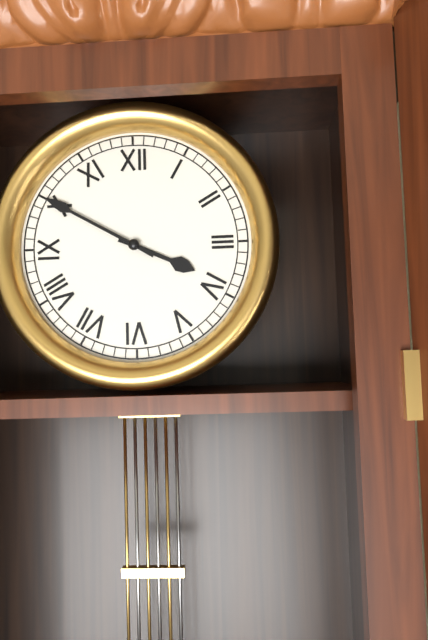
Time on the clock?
3:50
